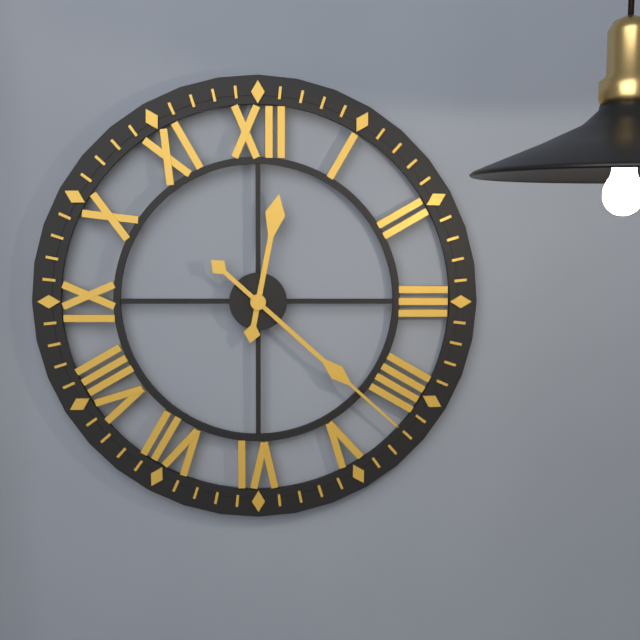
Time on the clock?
12:22
